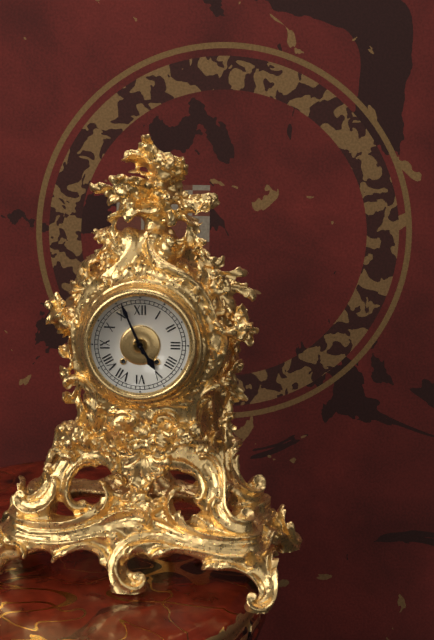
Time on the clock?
4:56
